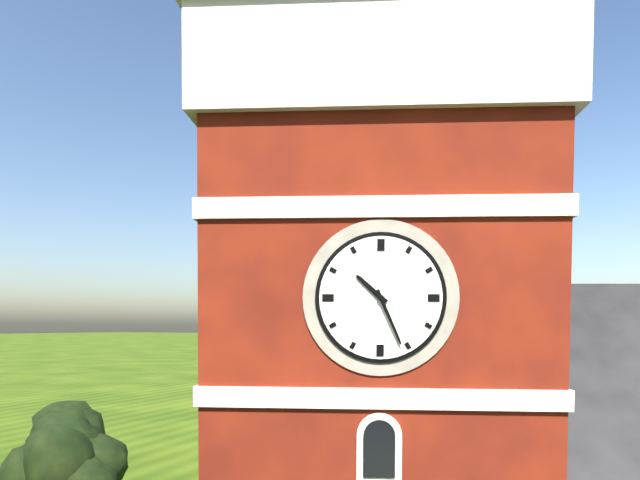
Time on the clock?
10:26
